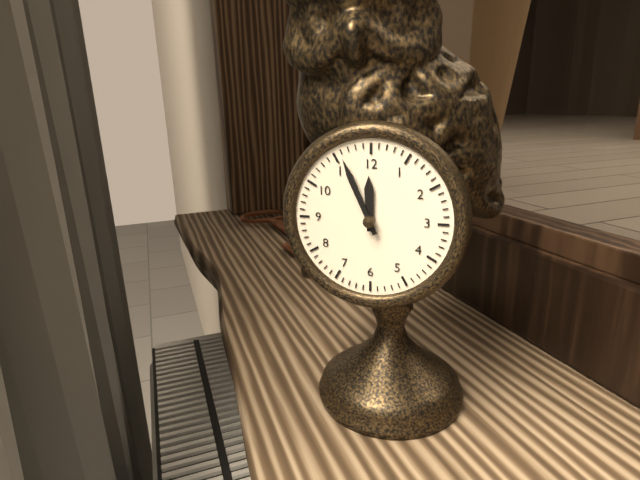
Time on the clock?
11:56
